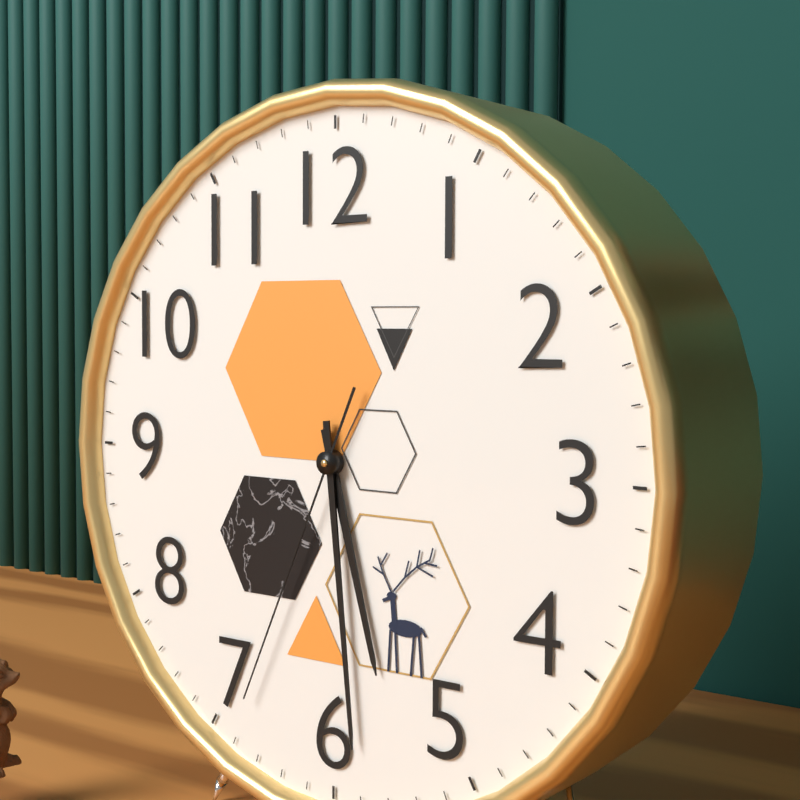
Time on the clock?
5:29:34
